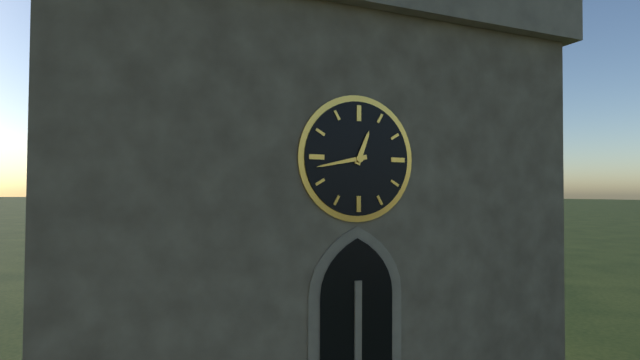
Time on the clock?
12:43
